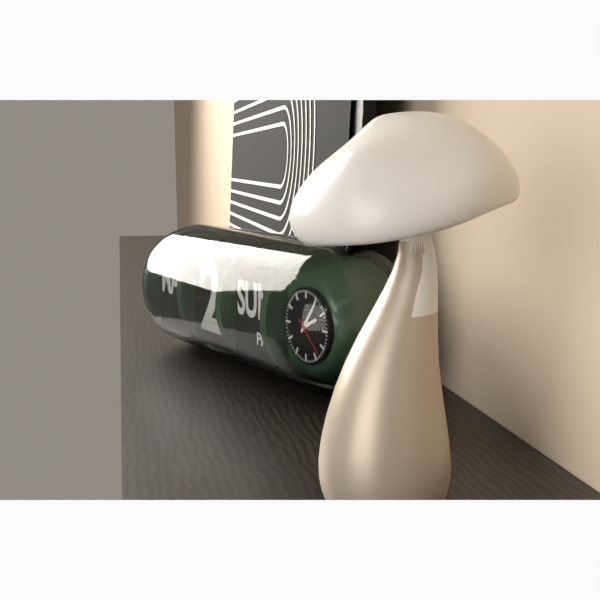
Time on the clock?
2:06
